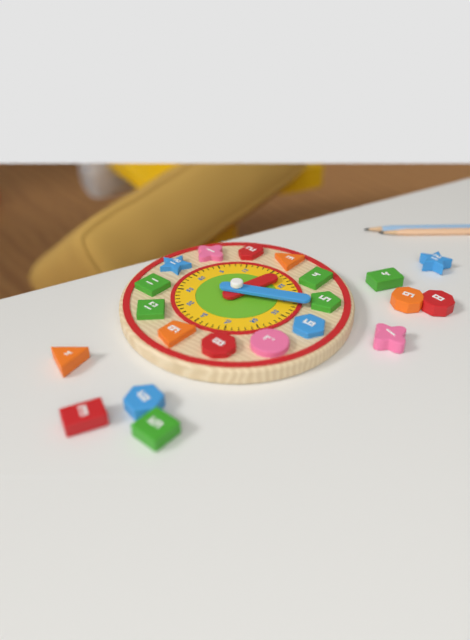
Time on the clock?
3:26
